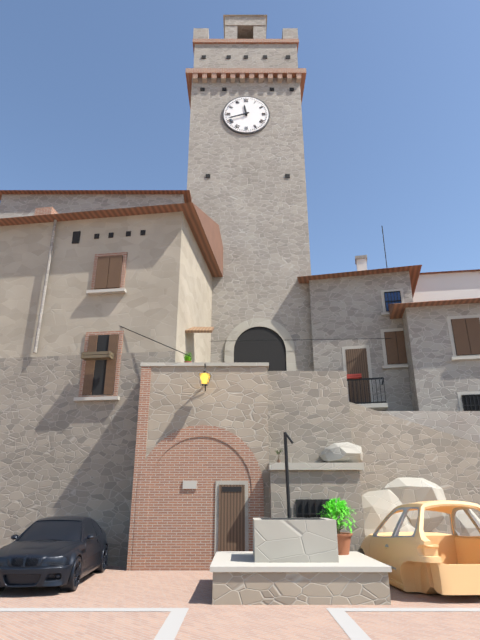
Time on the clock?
11:42
